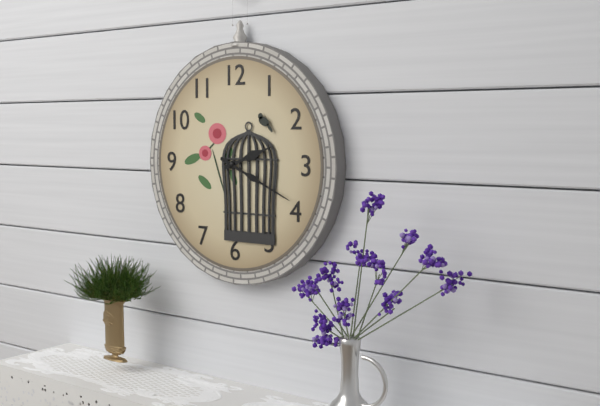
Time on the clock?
2:19
